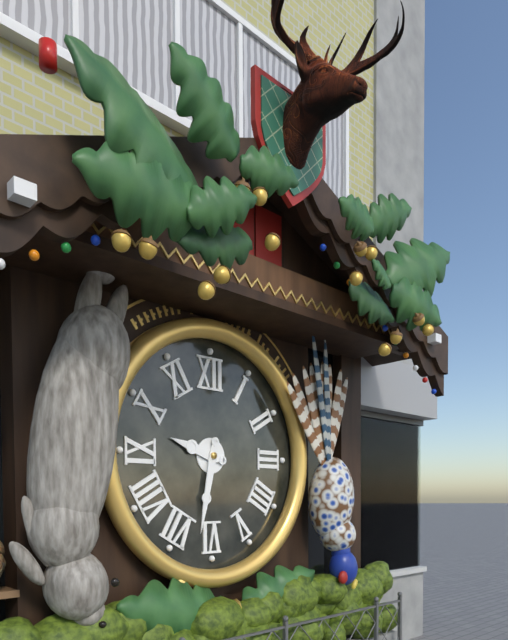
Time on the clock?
9:32
